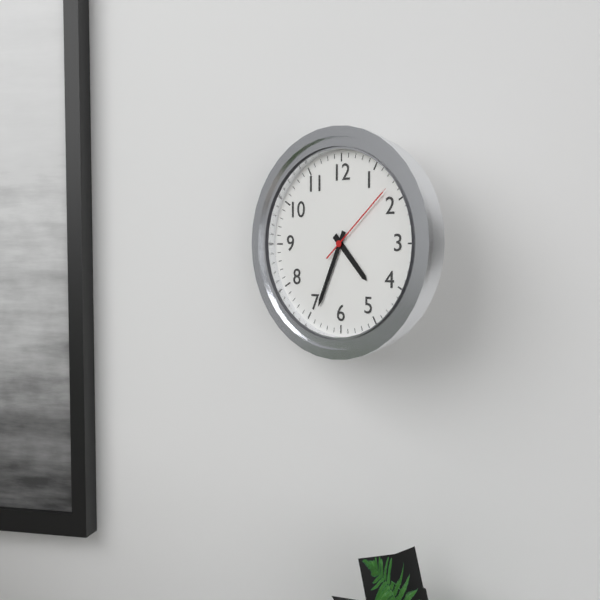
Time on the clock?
4:34:08
